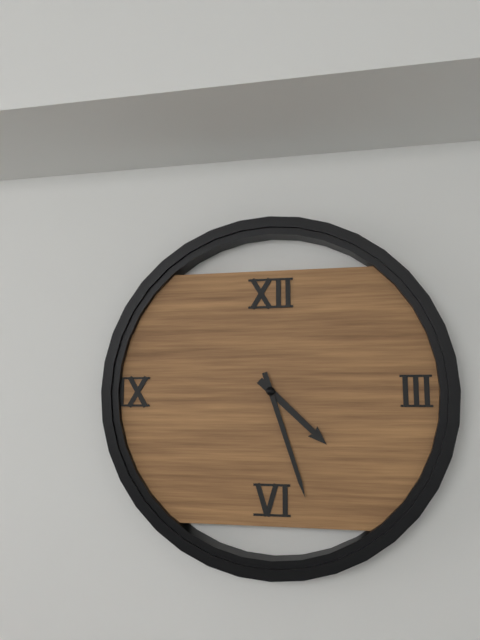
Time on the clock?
4:27
